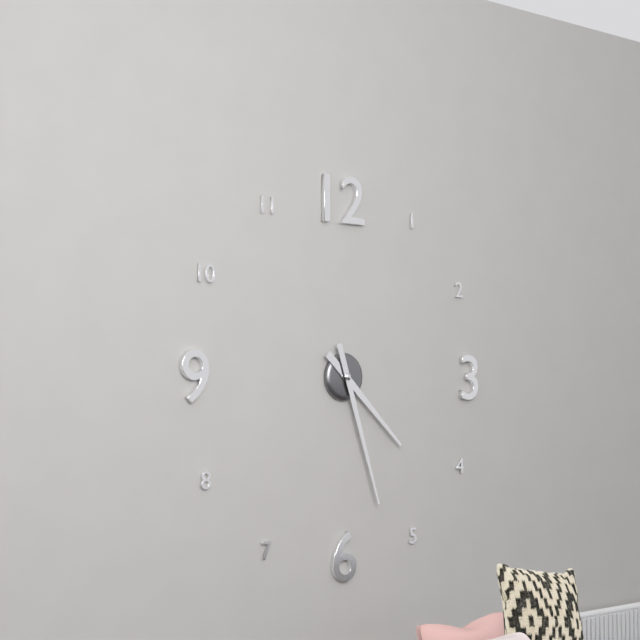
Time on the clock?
4:27
